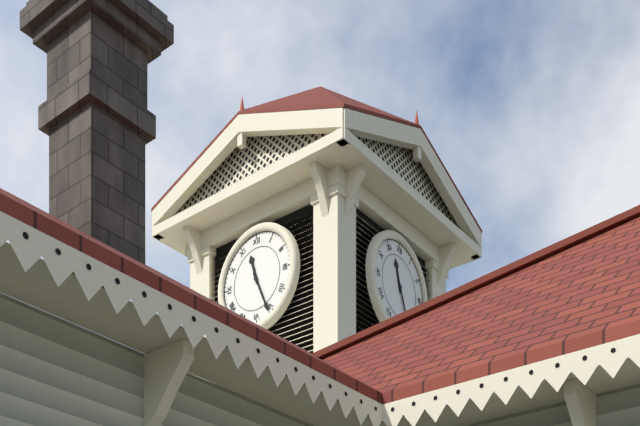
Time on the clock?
11:26
